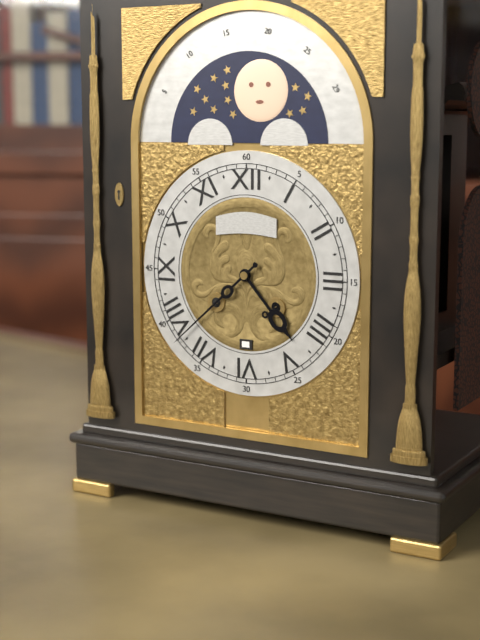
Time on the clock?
4:38
